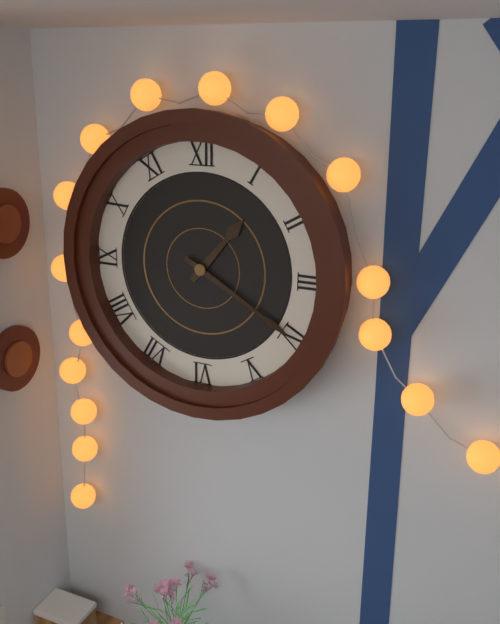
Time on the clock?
1:20
